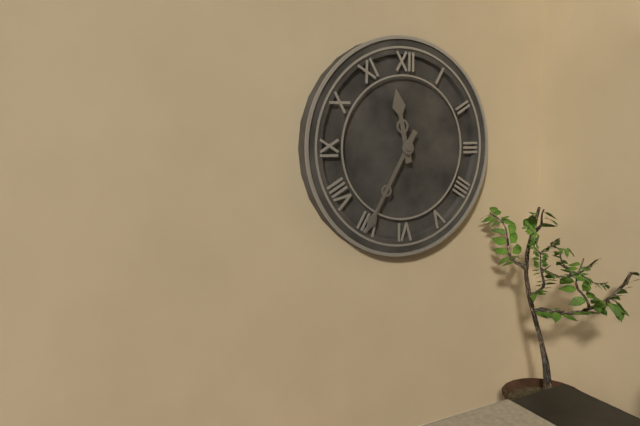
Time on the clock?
11:35
